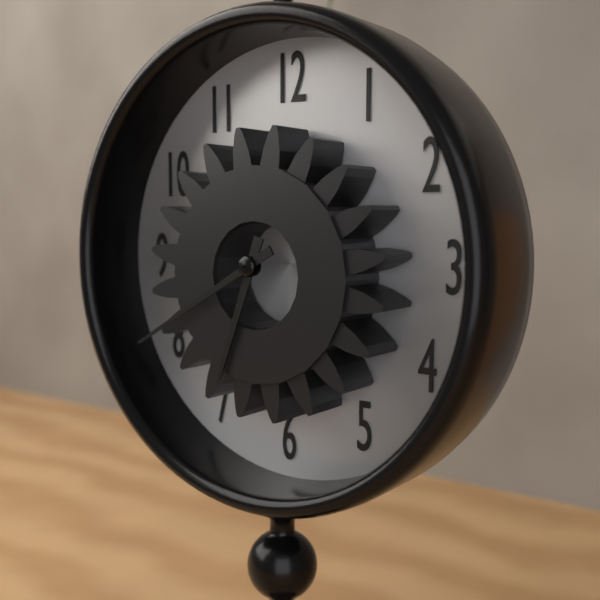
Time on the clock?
6:40
